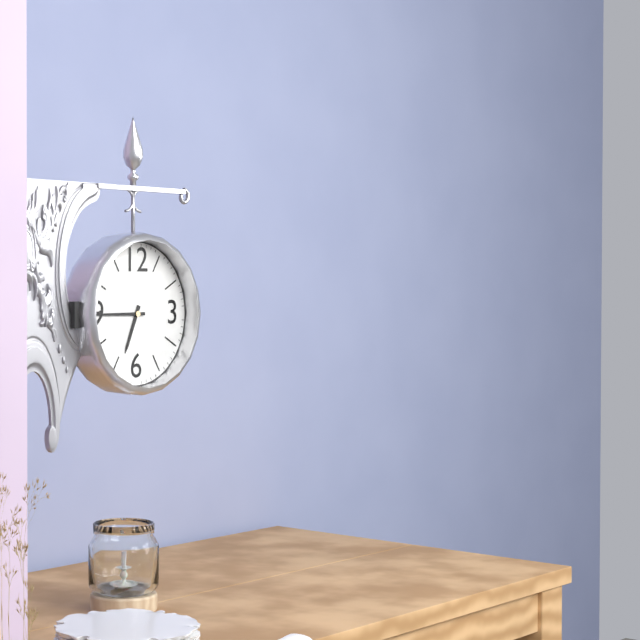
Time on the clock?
6:45
